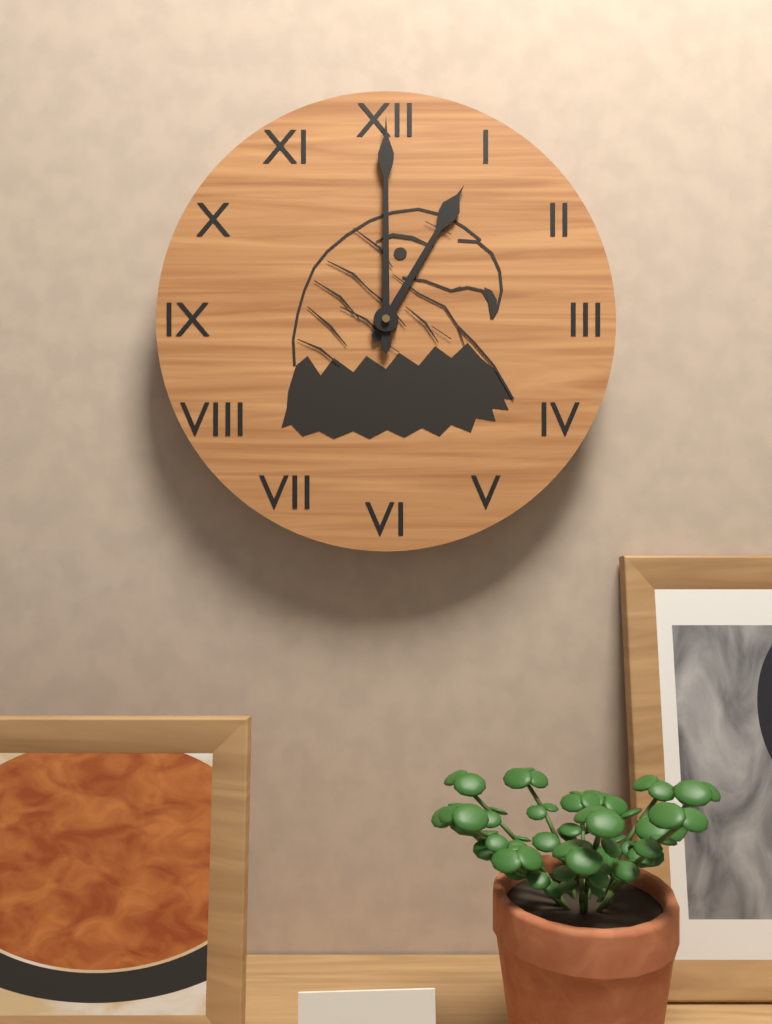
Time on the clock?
1:00
